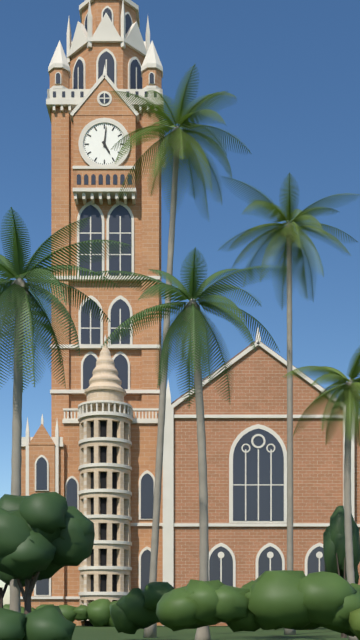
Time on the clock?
5:01
